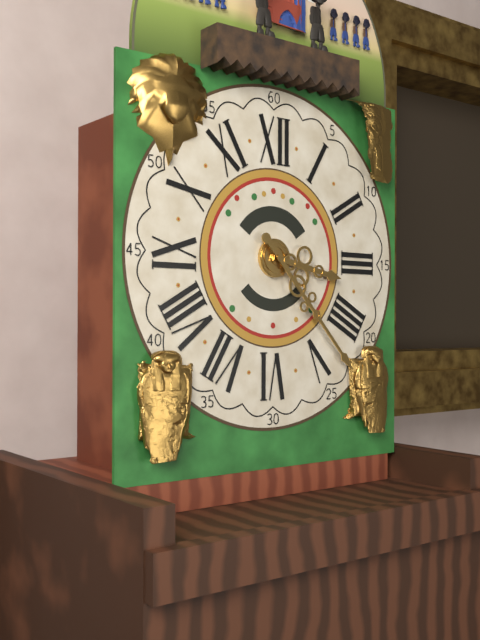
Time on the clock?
3:23
